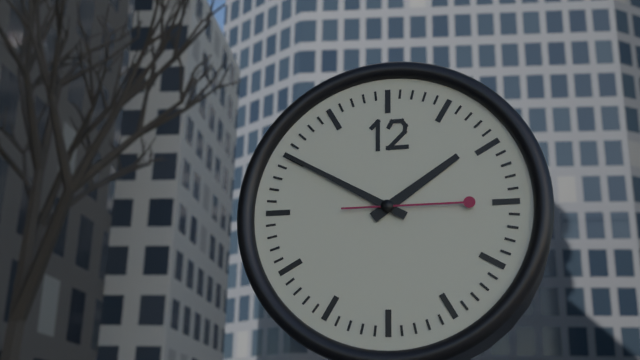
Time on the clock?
1:50:15
